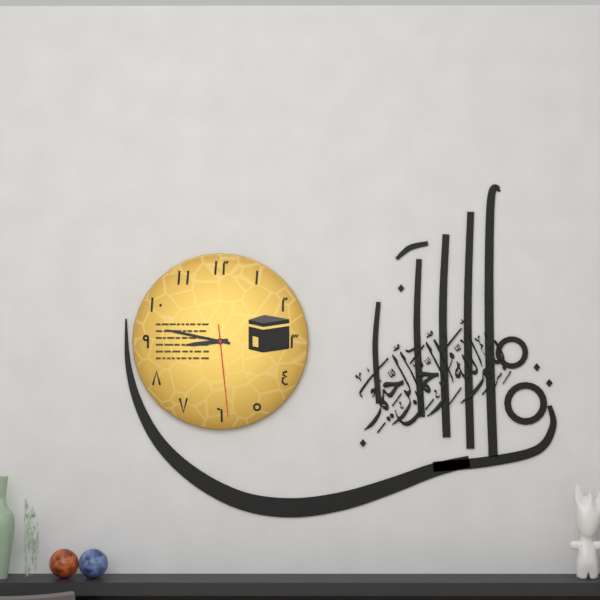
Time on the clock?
8:47:29
